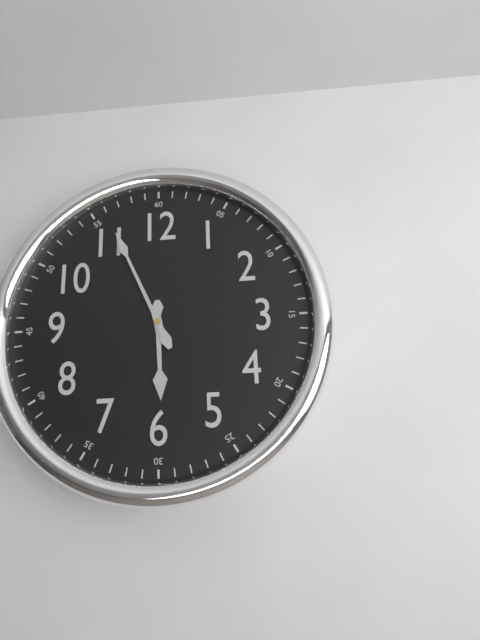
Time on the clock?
5:56
